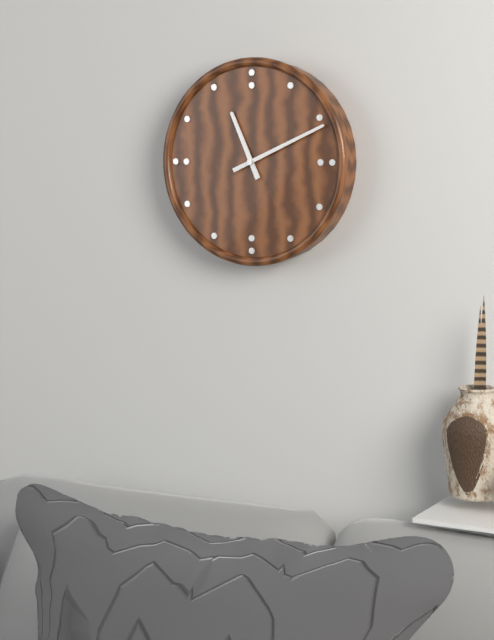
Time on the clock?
11:11
